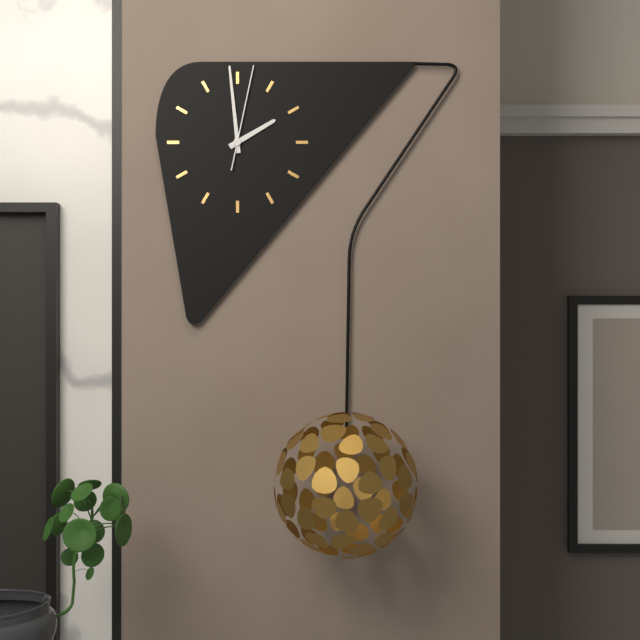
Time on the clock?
1:59:02
